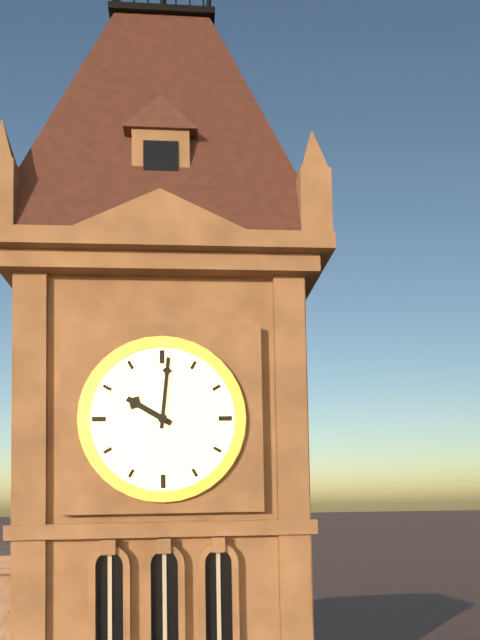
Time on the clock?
10:01
